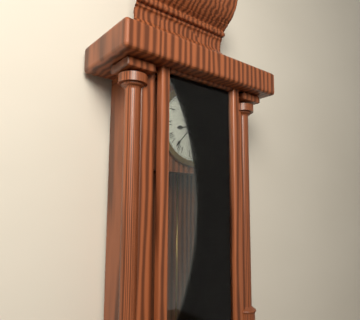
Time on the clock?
8:37
